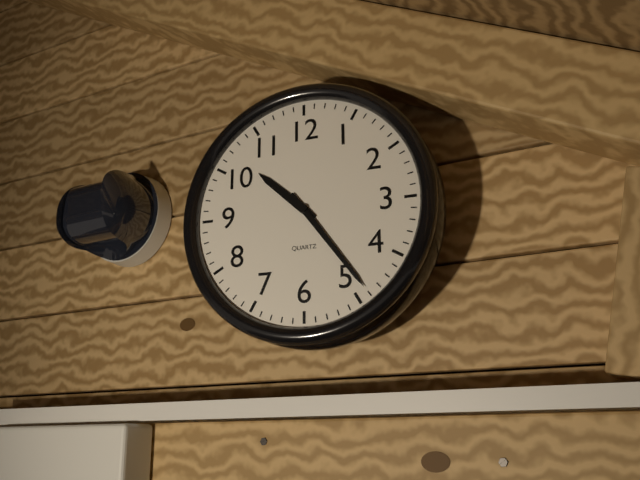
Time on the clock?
10:24
